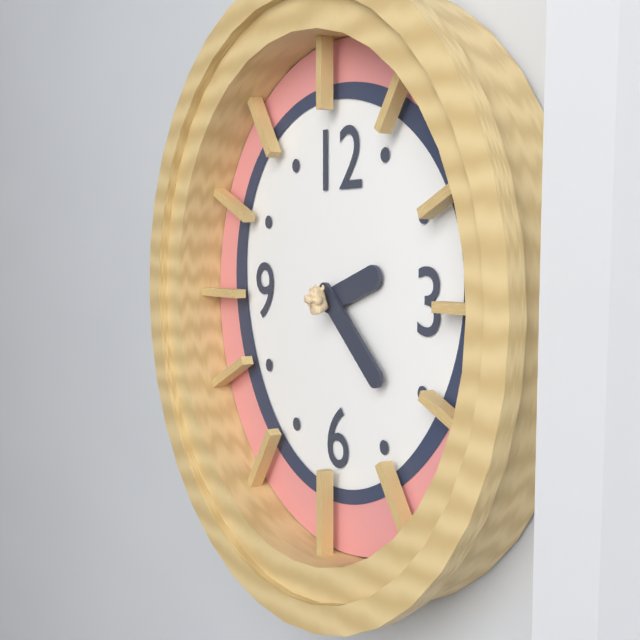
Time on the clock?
2:22
